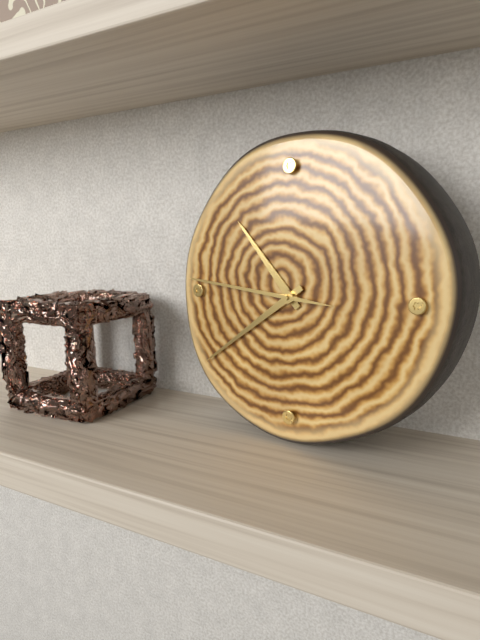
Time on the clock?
10:39:46
